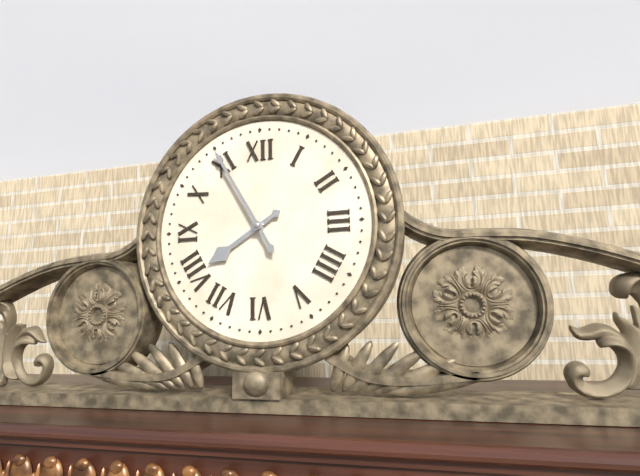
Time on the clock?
7:55
